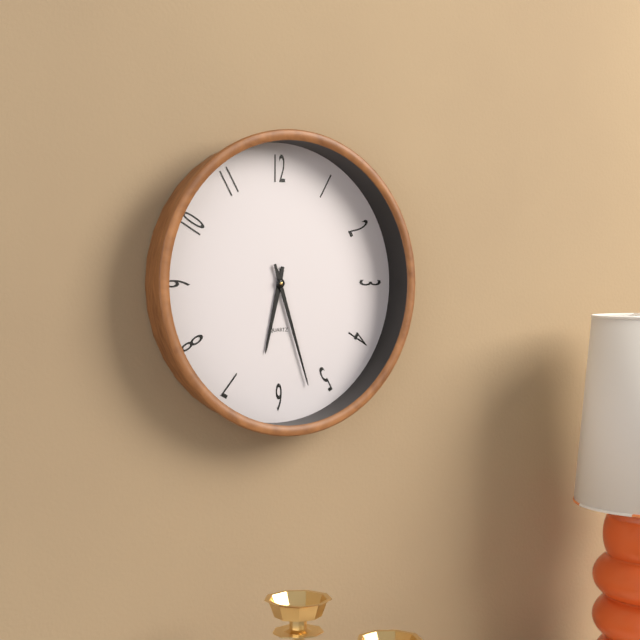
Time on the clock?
6:27
